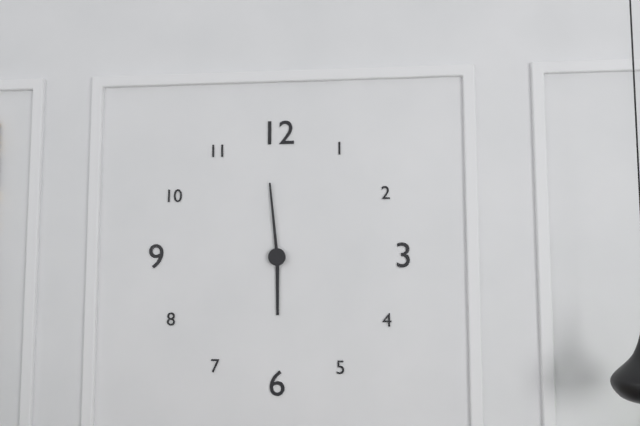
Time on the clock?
5:59
